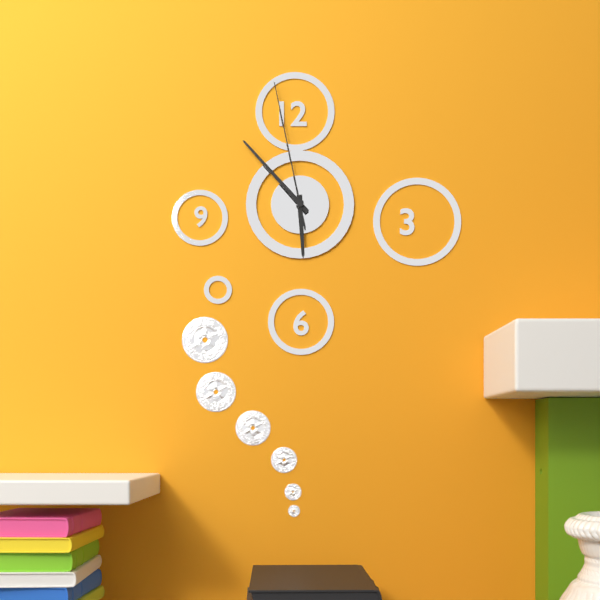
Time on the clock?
5:53:58
